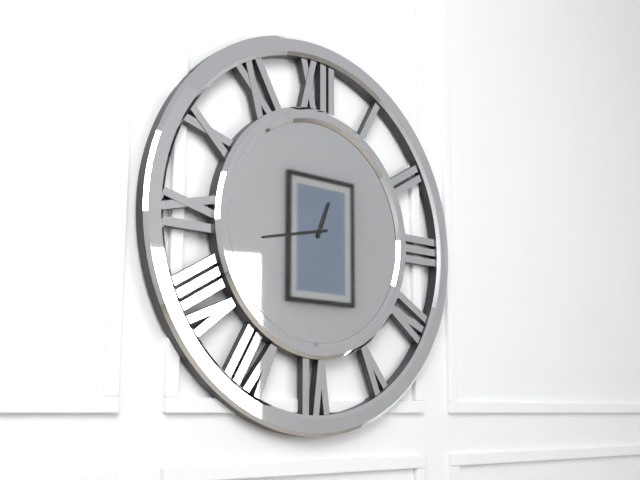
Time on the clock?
12:43
